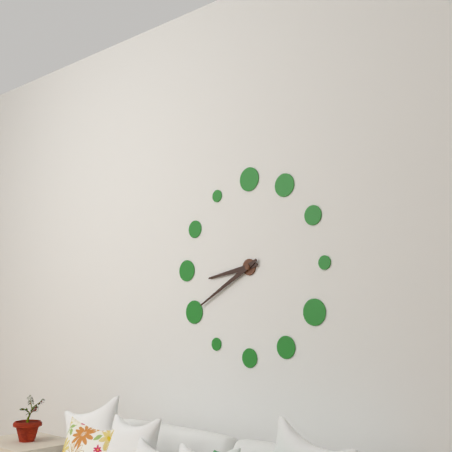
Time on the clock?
8:40
